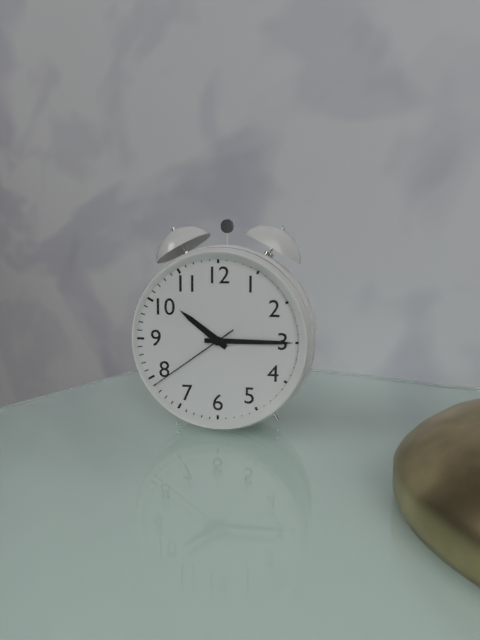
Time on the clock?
10:15:39
